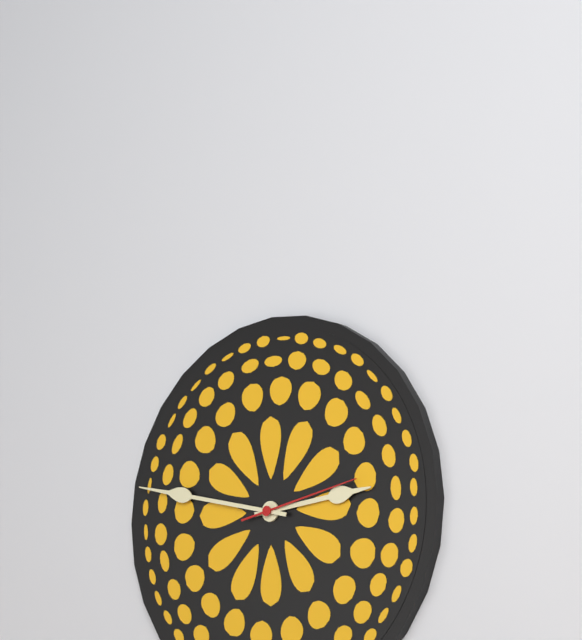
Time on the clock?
2:47:13
